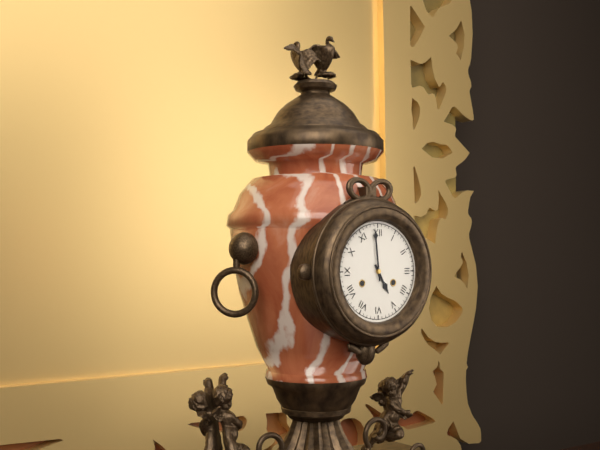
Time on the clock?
4:59
